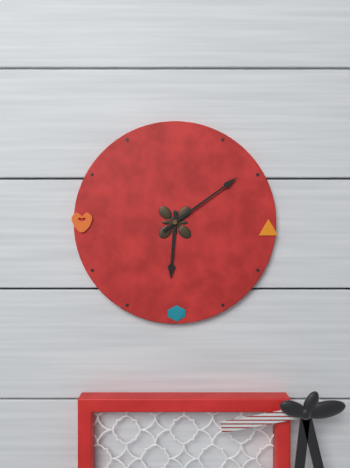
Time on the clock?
6:09
